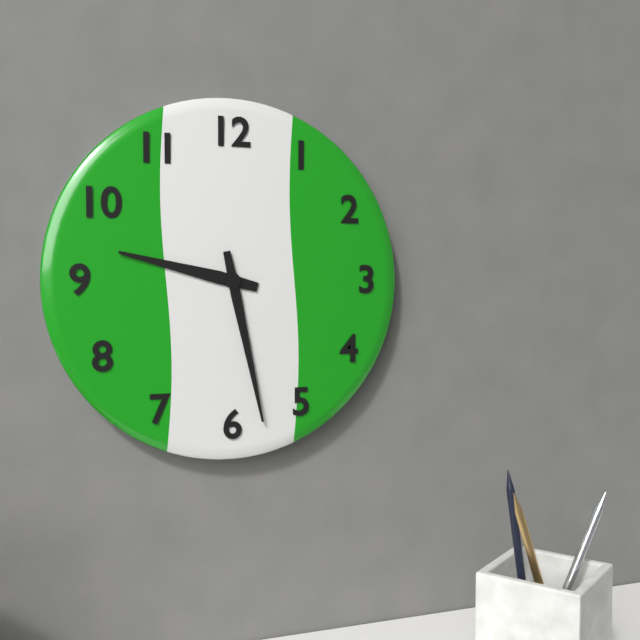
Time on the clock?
9:28
